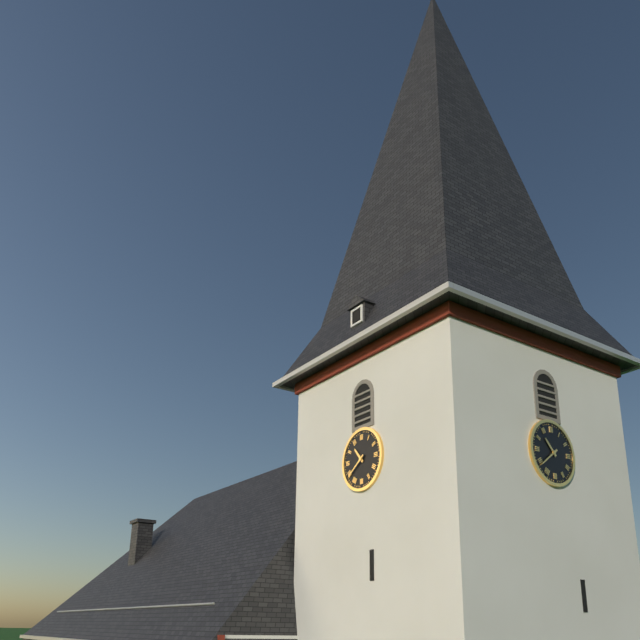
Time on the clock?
10:39
